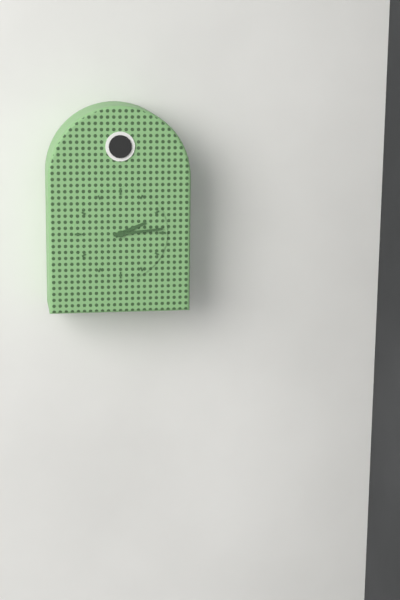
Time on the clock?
2:14
